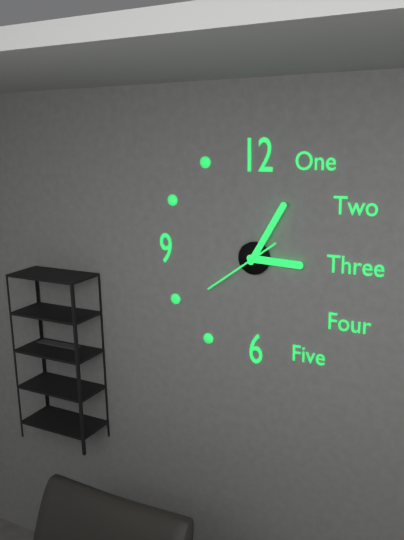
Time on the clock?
3:05:39
